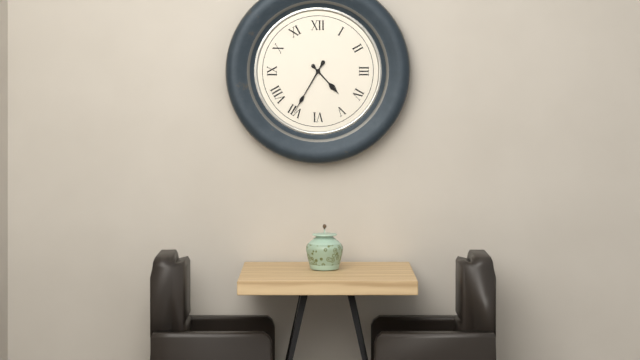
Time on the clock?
4:35
